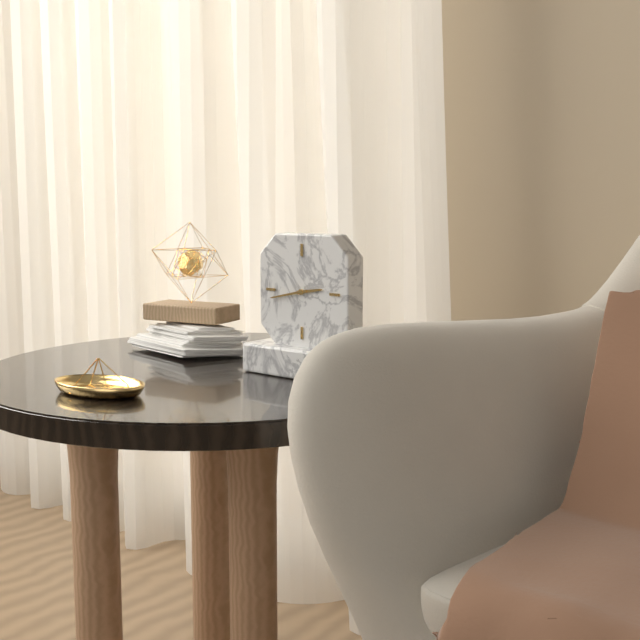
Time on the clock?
2:43
